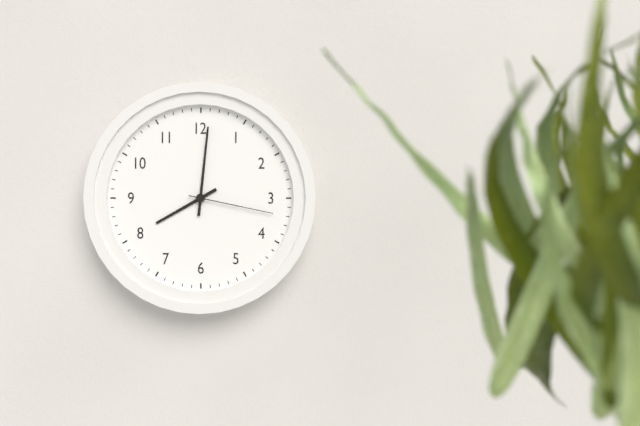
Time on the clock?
8:01:17
